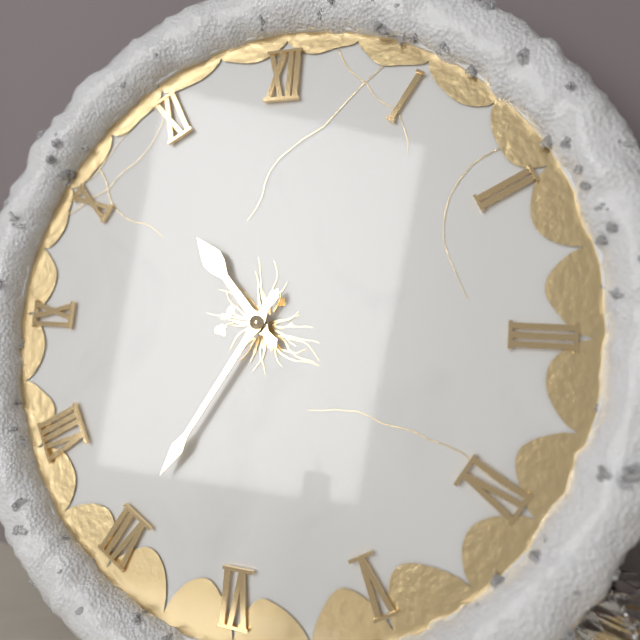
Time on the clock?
10:35
